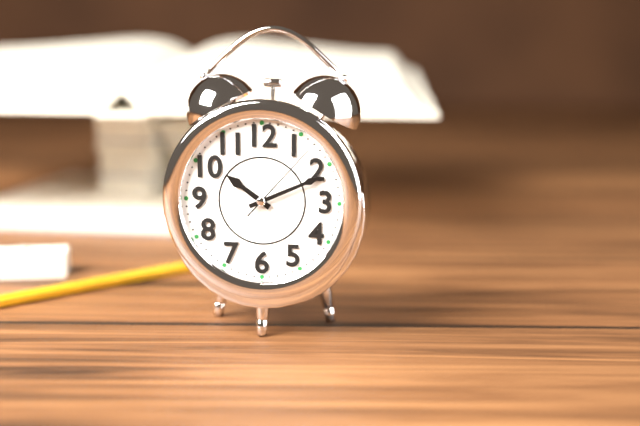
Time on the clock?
10:11:07
